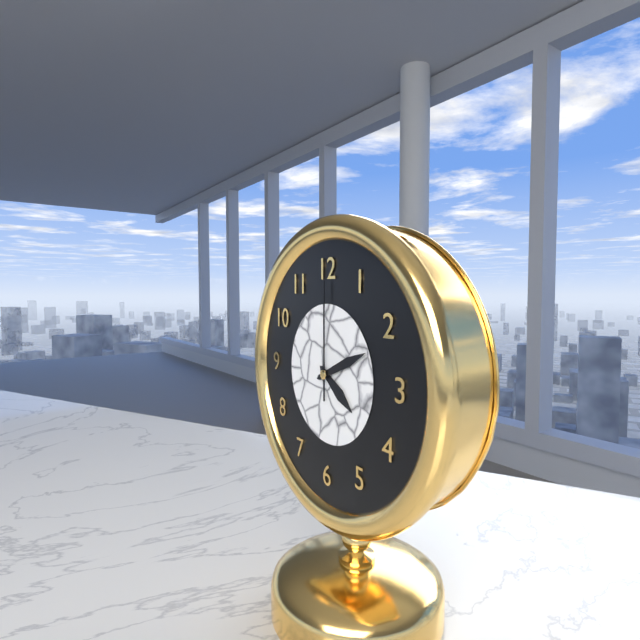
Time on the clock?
4:11:00
